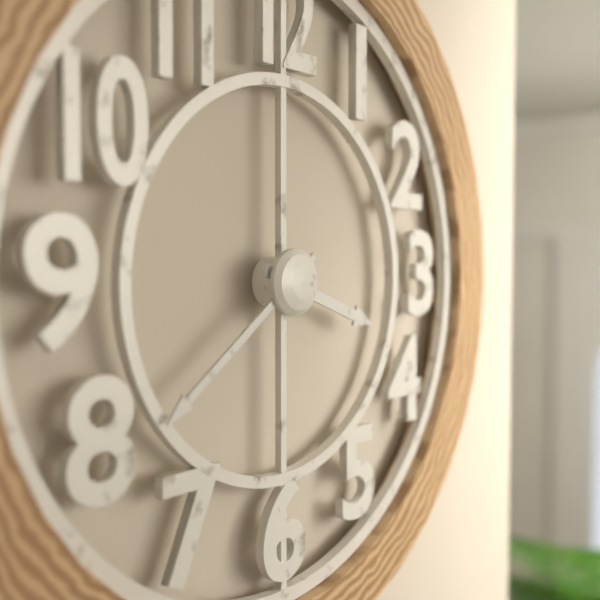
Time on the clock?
3:39
